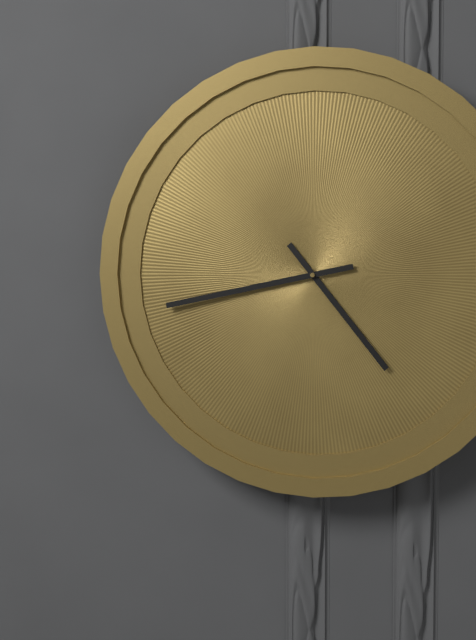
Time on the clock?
4:43
